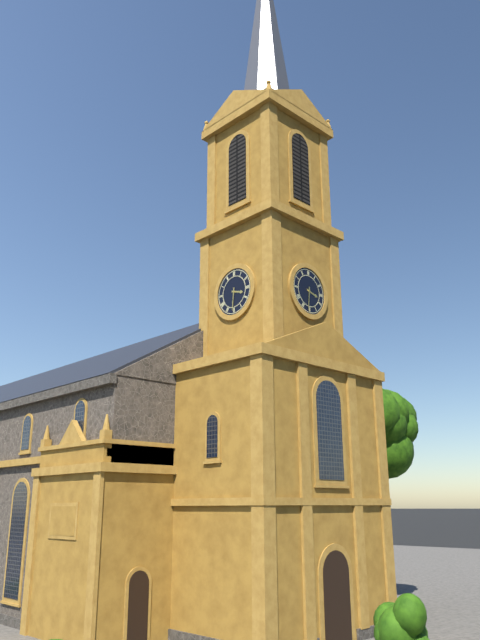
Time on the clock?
3:31
